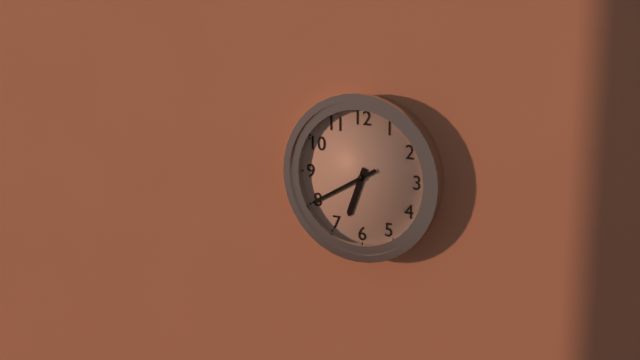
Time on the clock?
6:40
